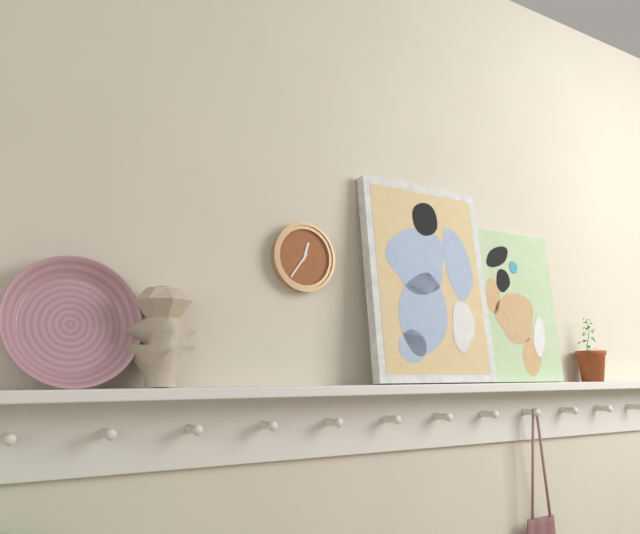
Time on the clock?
12:36
